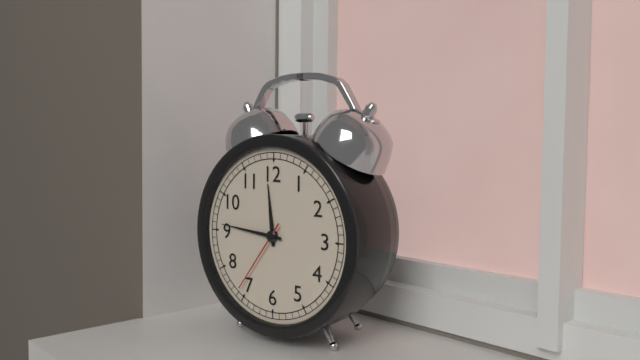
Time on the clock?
11:46:36
